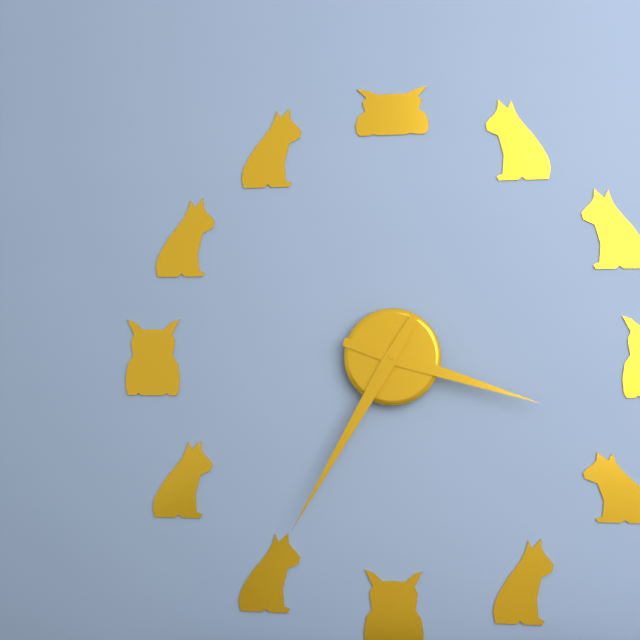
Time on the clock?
3:35
